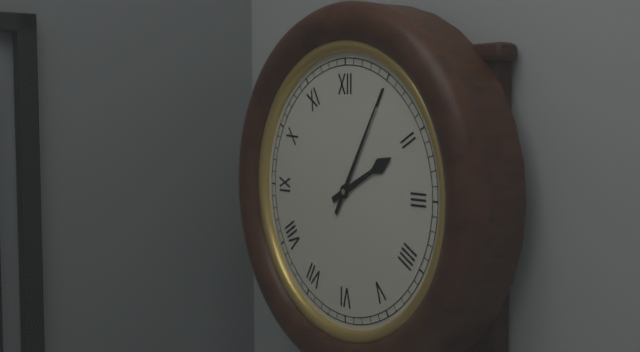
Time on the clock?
2:05
